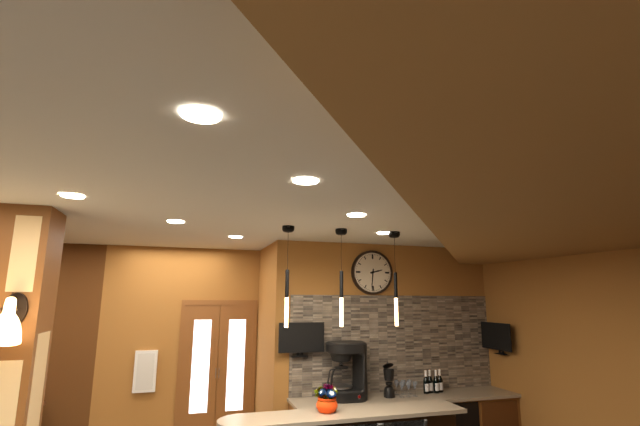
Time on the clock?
2:31
